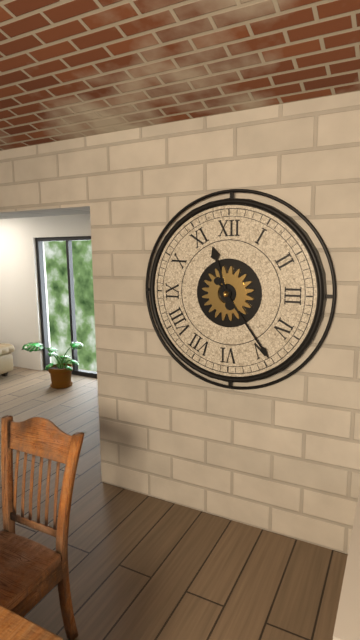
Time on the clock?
11:24
